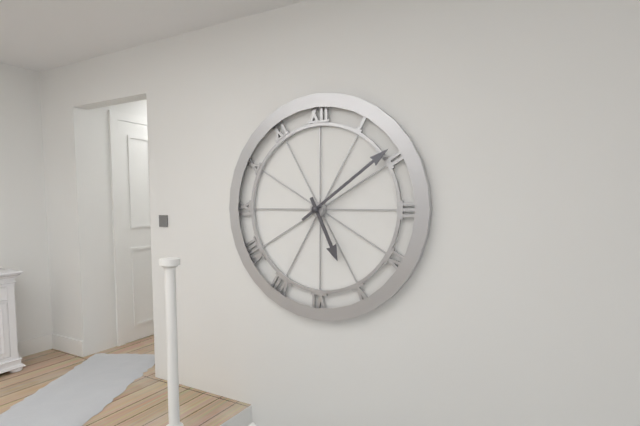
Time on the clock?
5:09
